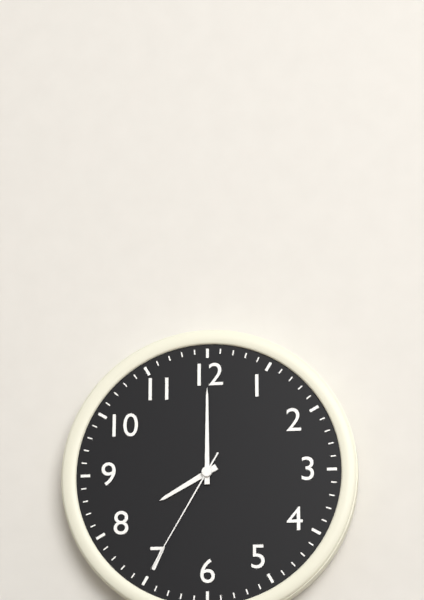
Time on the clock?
8:00:35
